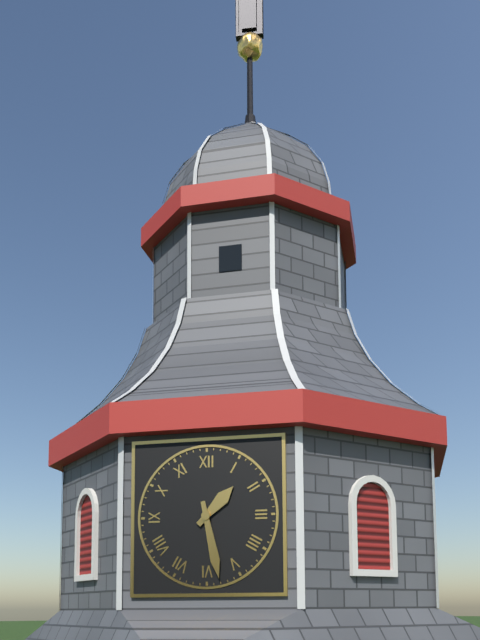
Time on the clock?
1:28
